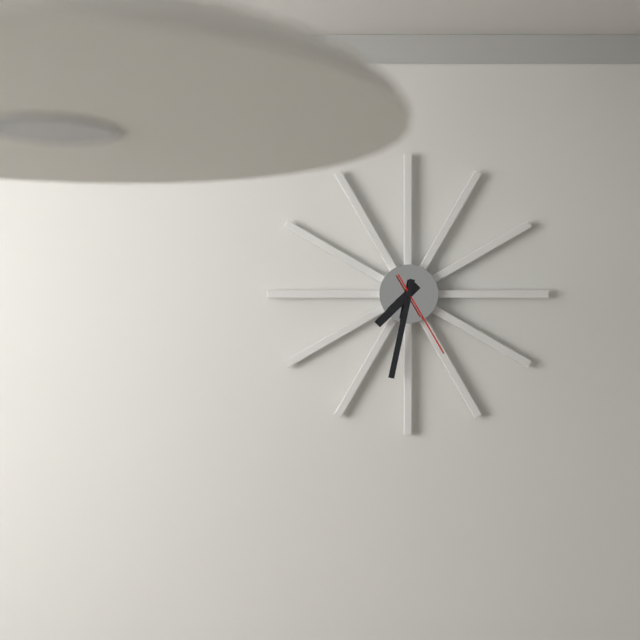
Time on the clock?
7:32:25
